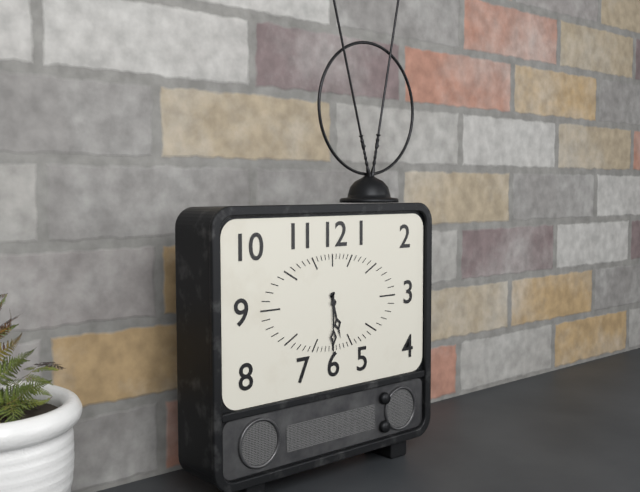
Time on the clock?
5:30
